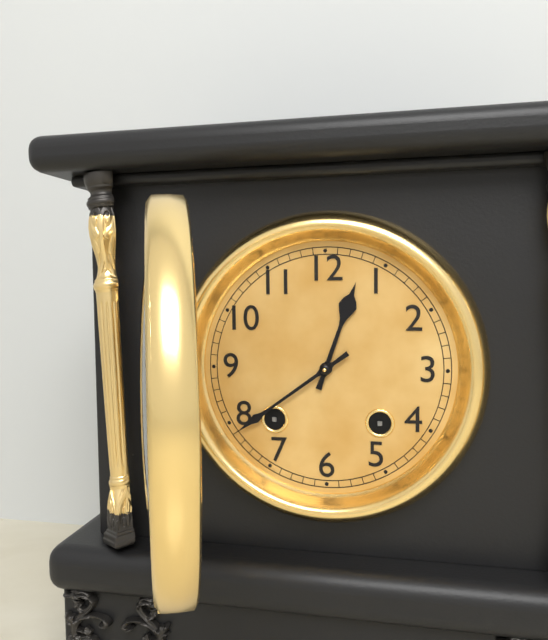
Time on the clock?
12:39
